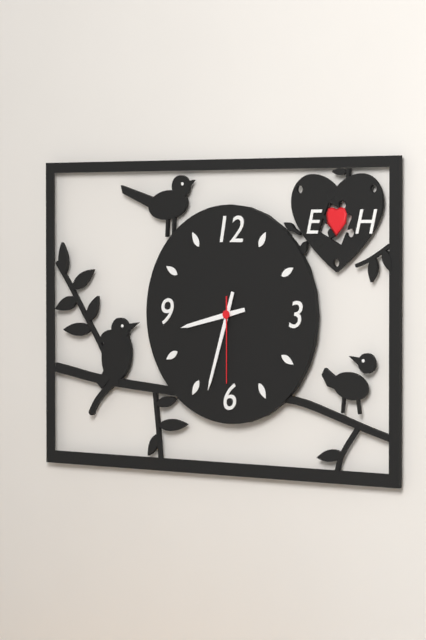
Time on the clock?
8:33:30
